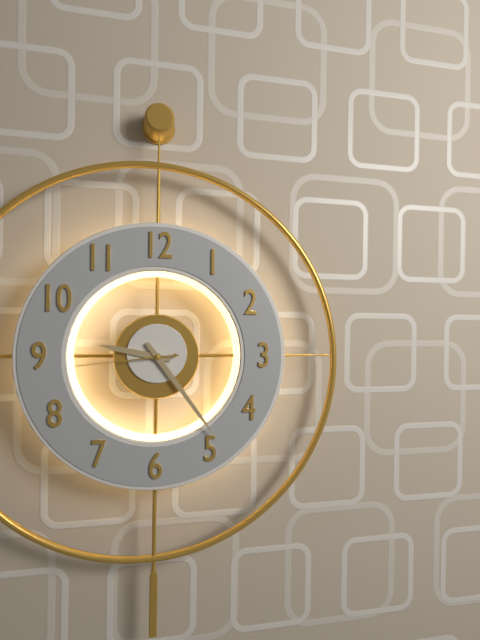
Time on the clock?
9:24:44
